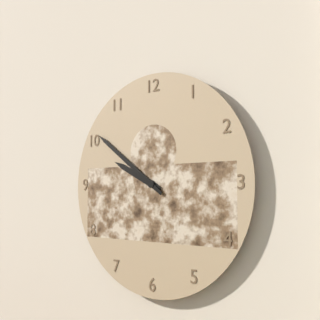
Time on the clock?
9:51
